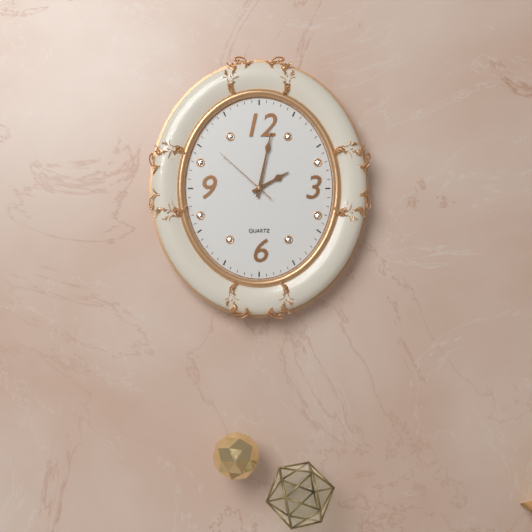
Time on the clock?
2:02:52
